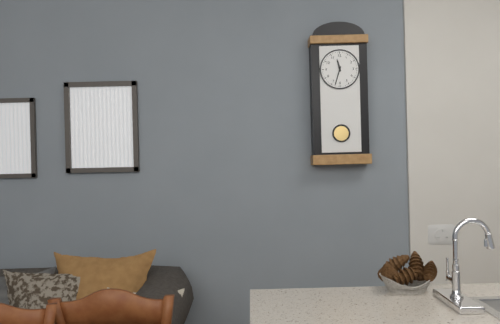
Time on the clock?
11:33
